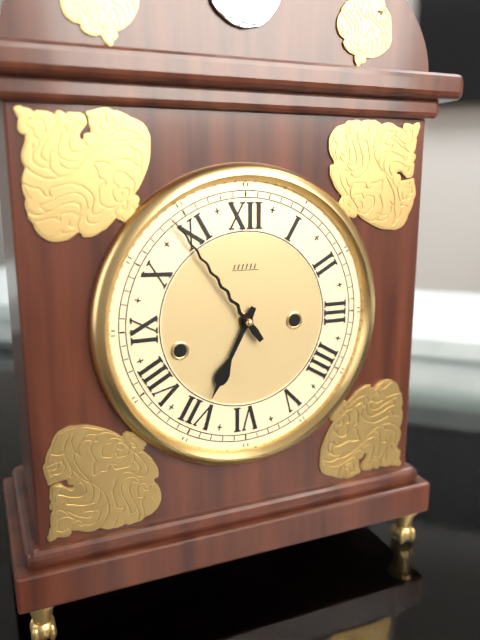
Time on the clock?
6:54
